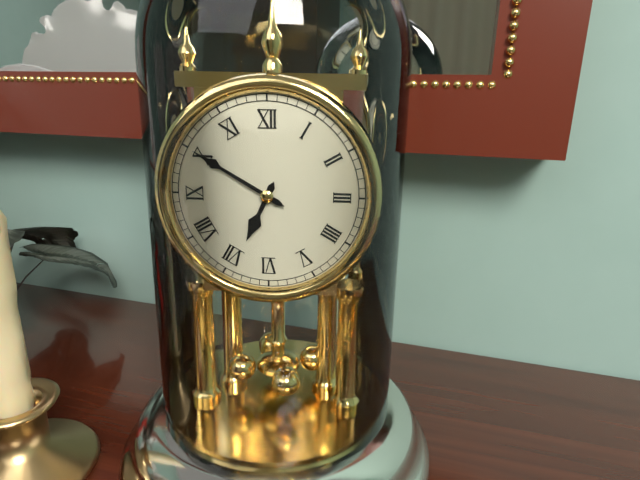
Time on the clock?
6:50
